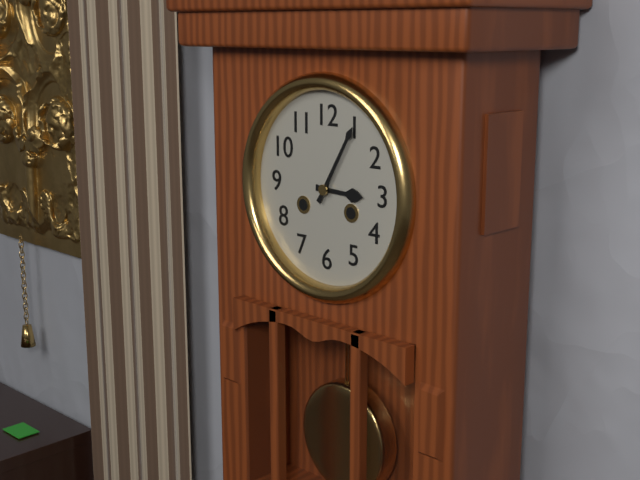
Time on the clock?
3:05
